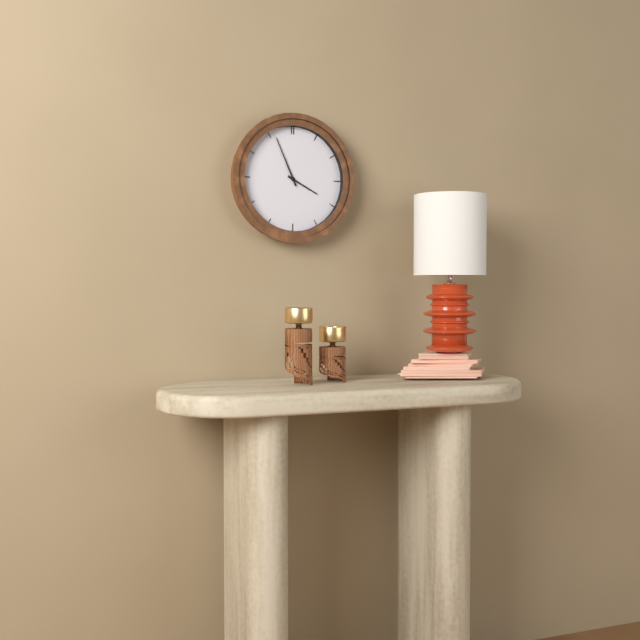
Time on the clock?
3:56
